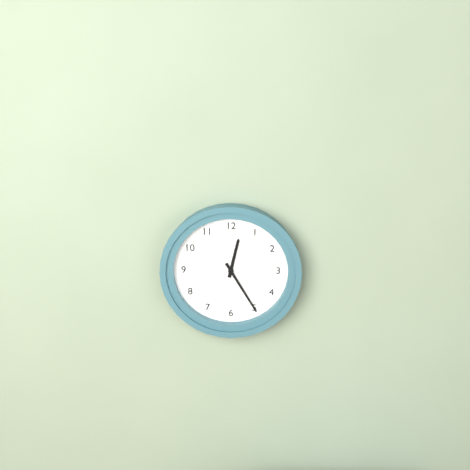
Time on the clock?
12:25
